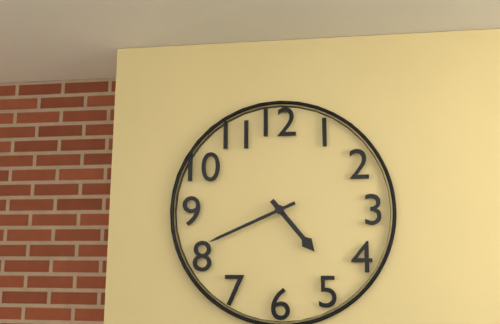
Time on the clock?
4:41
